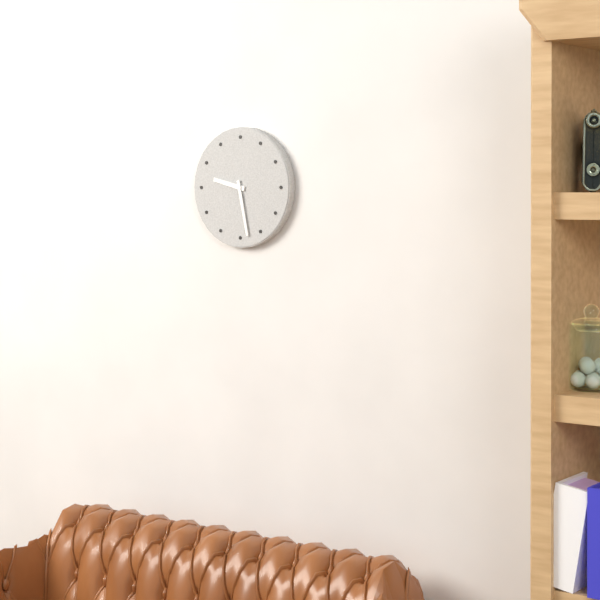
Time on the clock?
9:28
